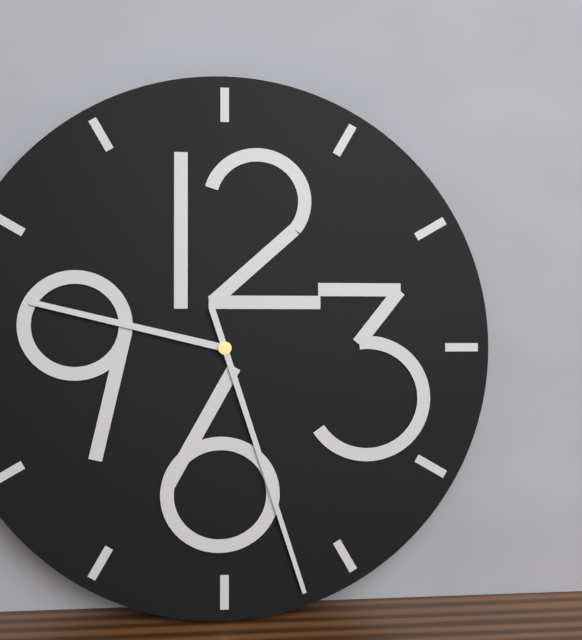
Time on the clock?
9:27
